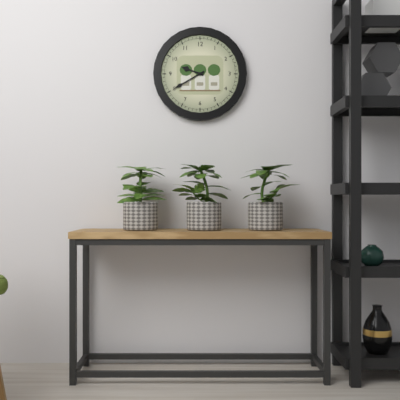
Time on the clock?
9:40
